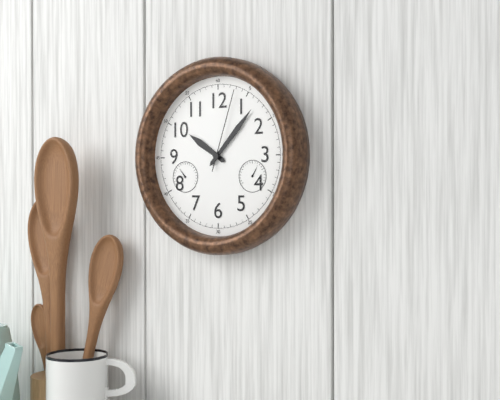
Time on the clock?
10:07:03
